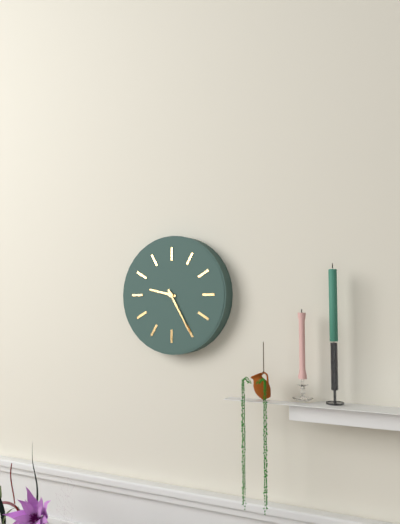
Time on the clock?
9:25
